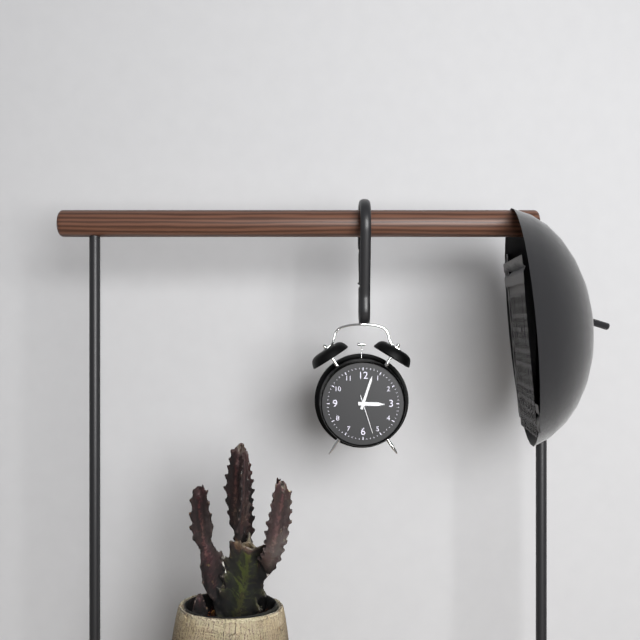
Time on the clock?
3:03
